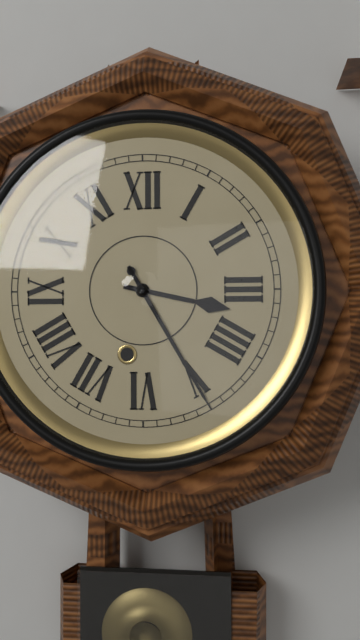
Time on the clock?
3:25
